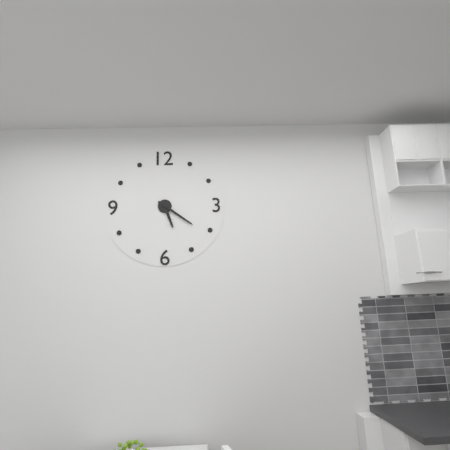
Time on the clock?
5:21
